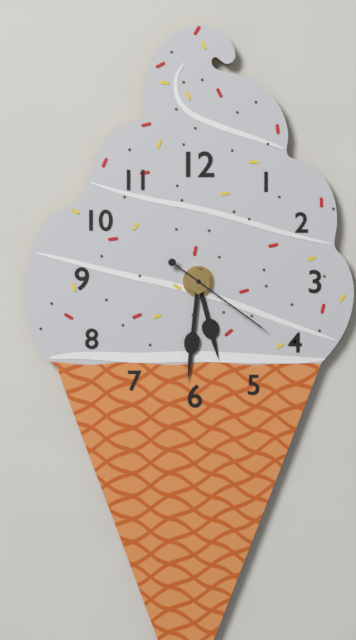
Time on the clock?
5:31:21
